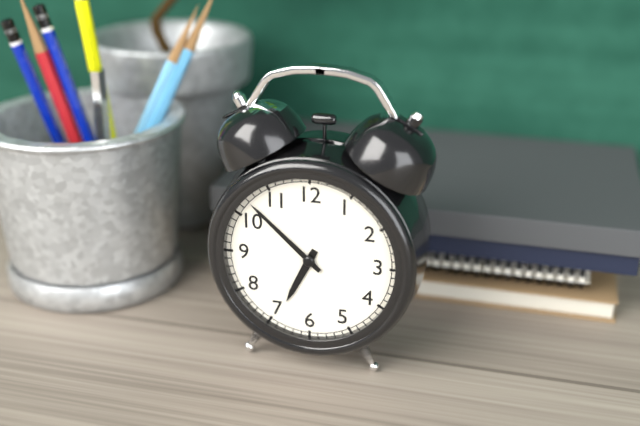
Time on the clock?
6:52
